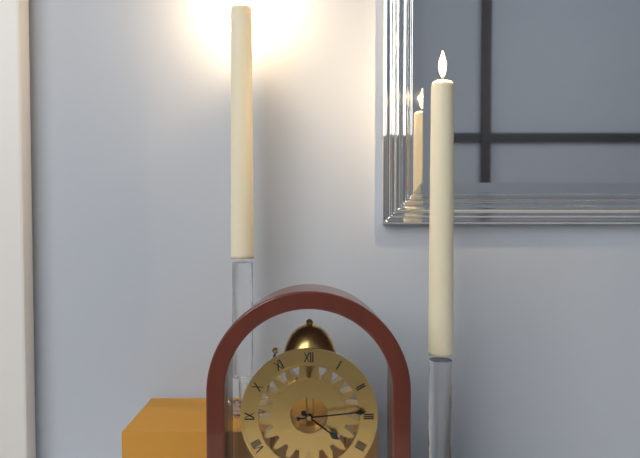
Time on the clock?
4:14
